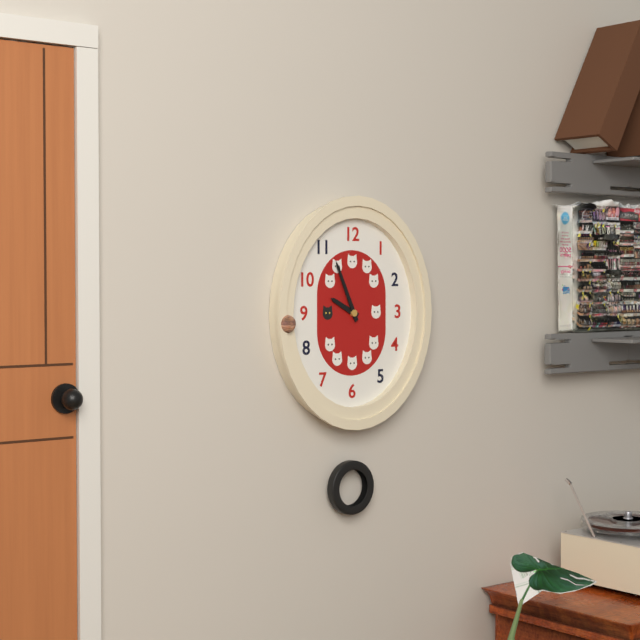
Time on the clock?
9:56
